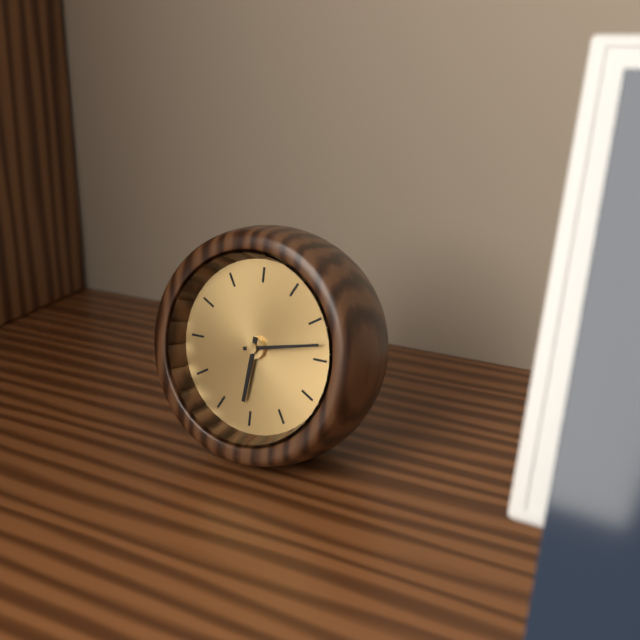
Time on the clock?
6:13
